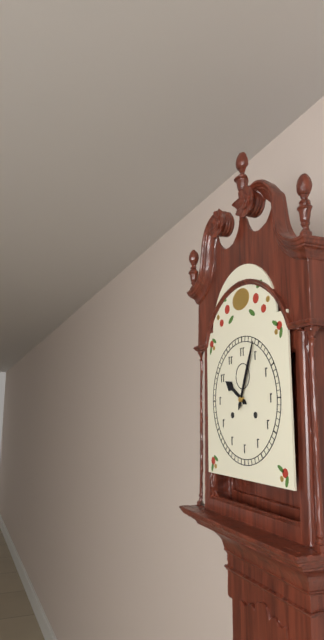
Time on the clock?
10:04
